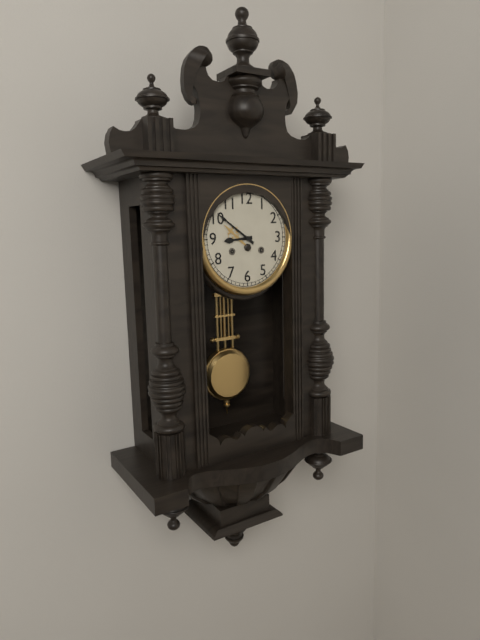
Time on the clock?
8:51
